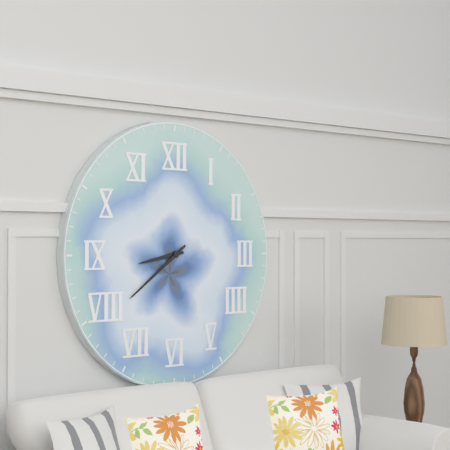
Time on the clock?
8:39
